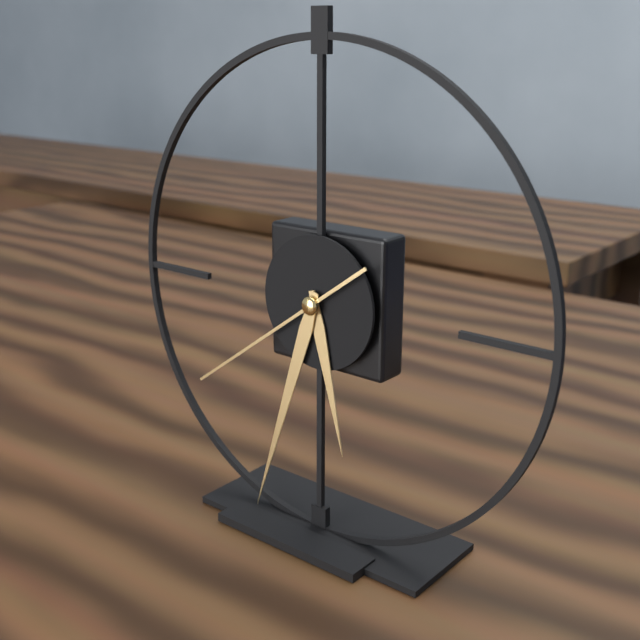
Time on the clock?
5:33:39
